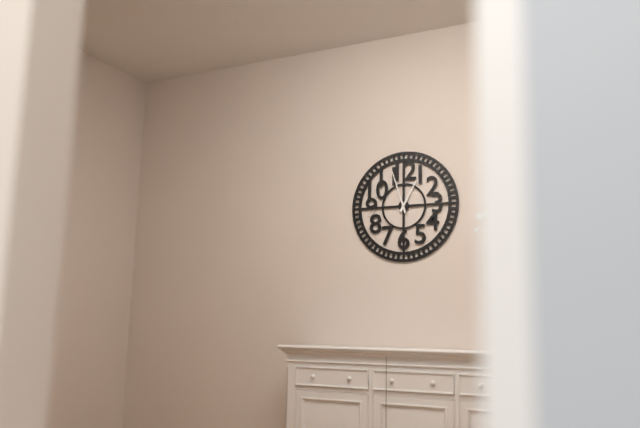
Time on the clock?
12:57
